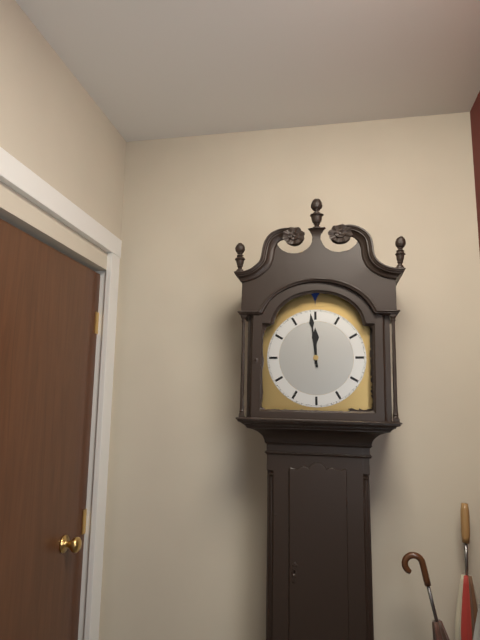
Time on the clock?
11:59
